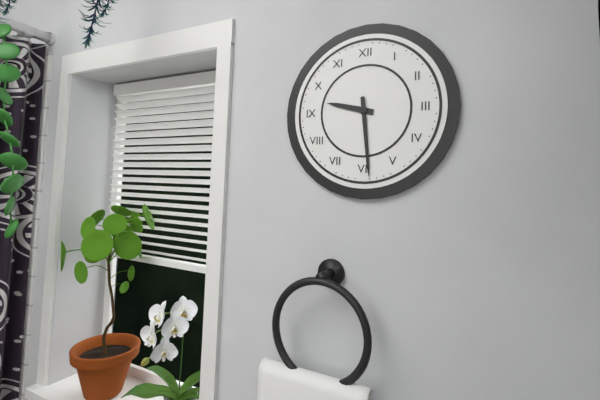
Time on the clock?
9:29
